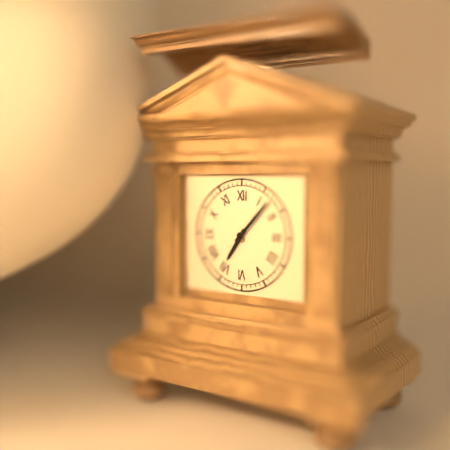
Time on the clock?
7:07
